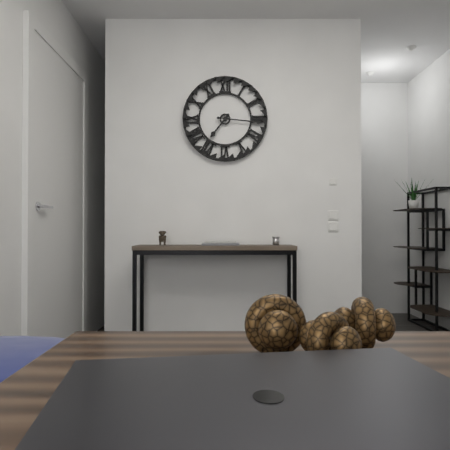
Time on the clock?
7:16
